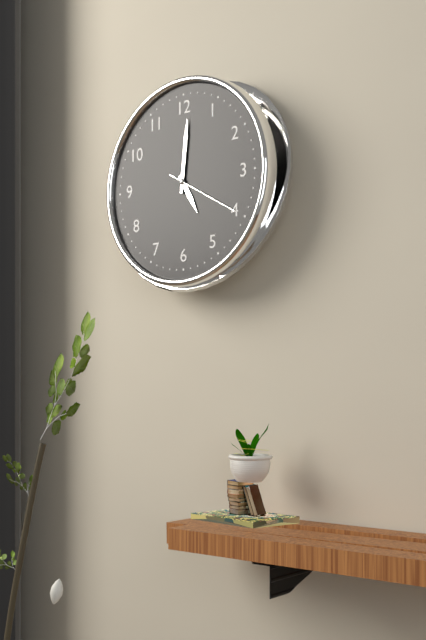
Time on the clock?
5:01:20
